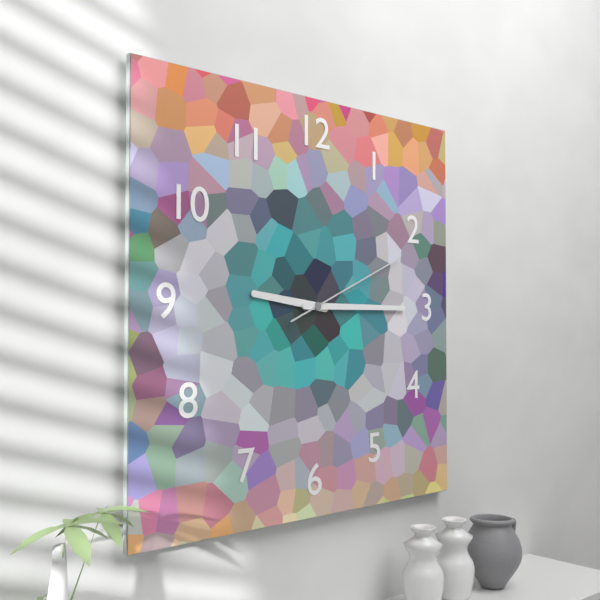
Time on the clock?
9:15:11
